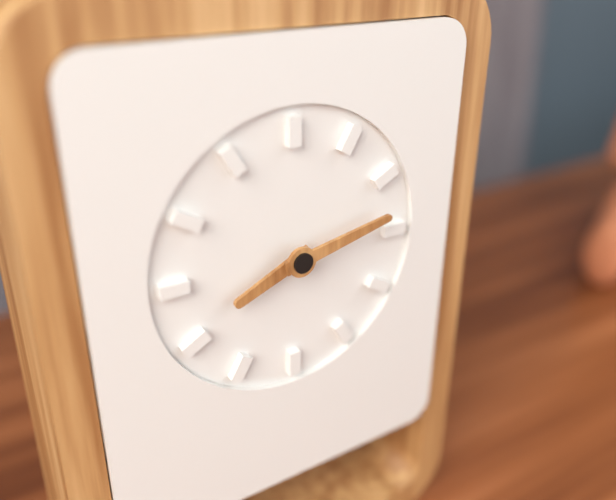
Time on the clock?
8:13
